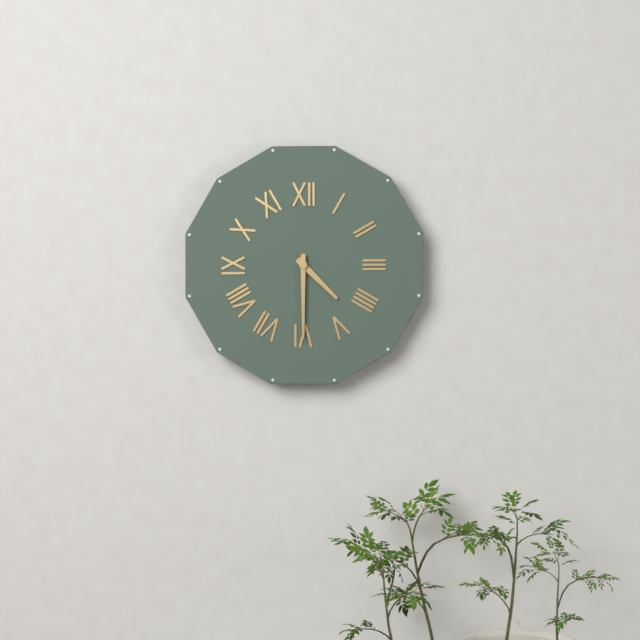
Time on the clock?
4:30
